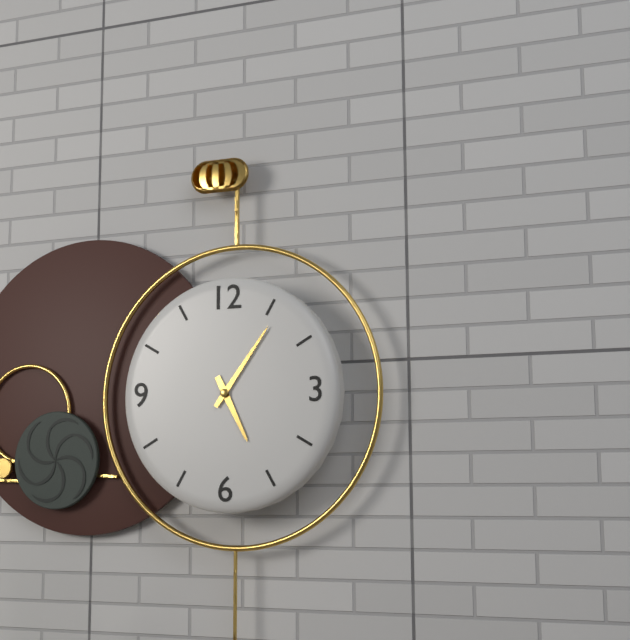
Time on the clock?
5:06
